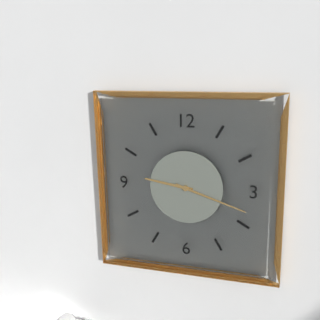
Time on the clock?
9:18
